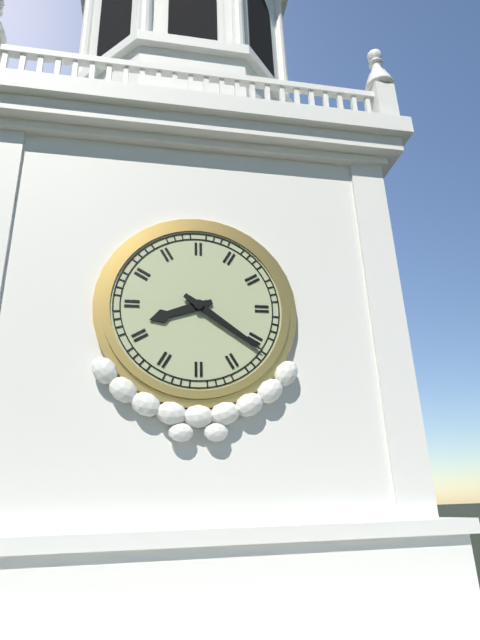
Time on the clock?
8:21
